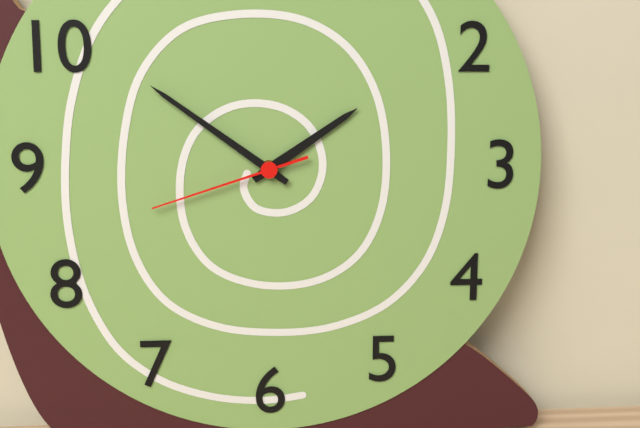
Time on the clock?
1:51:42
